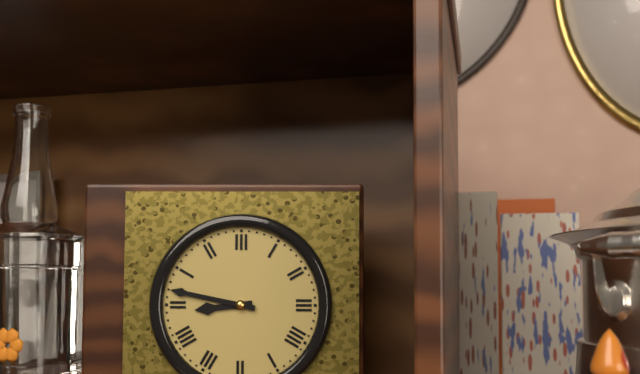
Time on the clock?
8:47
